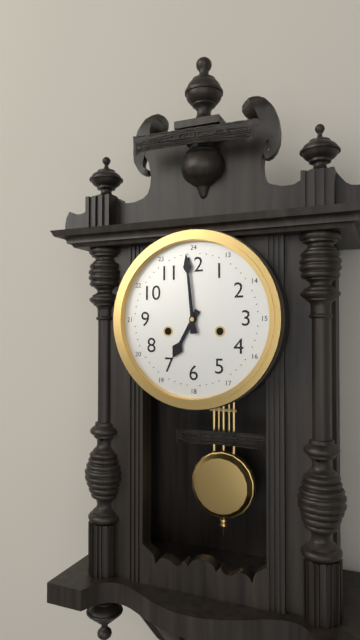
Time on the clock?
6:59
